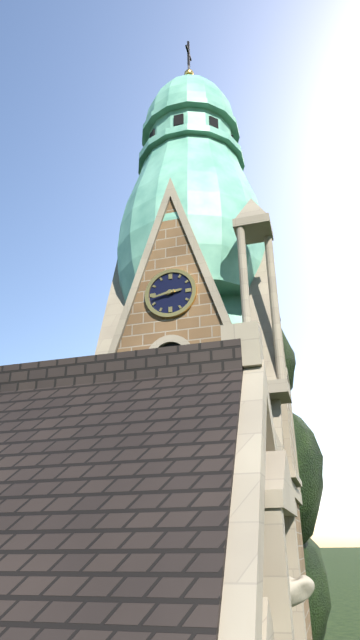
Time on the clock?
2:43
